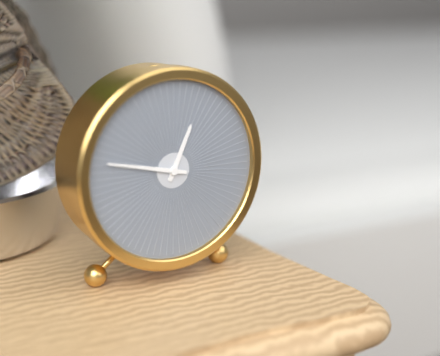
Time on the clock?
12:47
